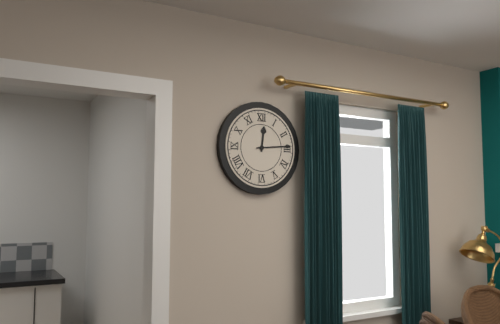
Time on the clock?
12:14
